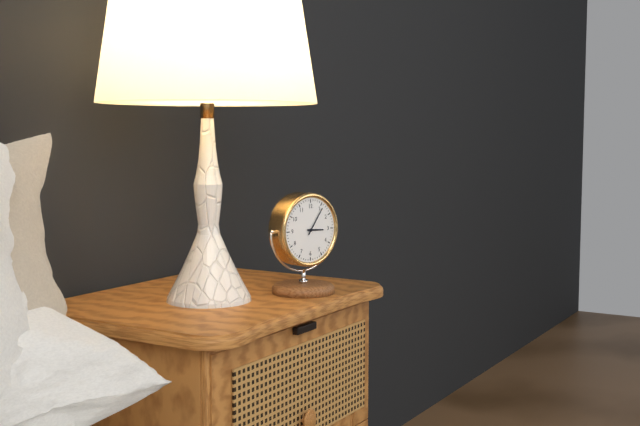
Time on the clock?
3:06
